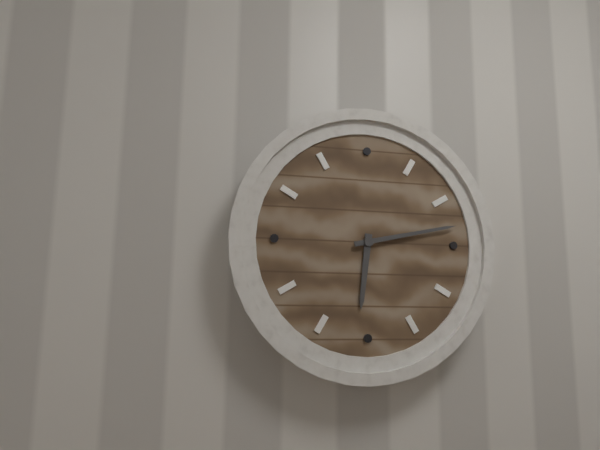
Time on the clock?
6:13
